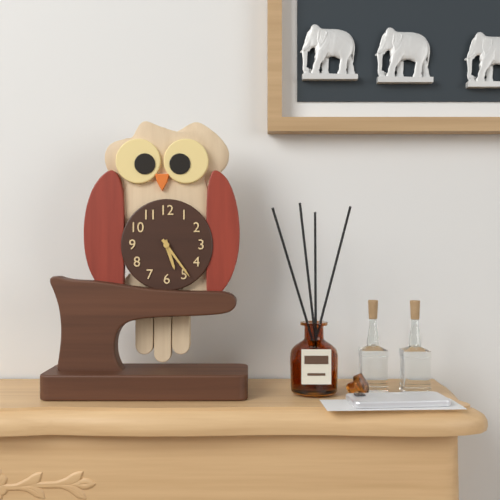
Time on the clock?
5:24
